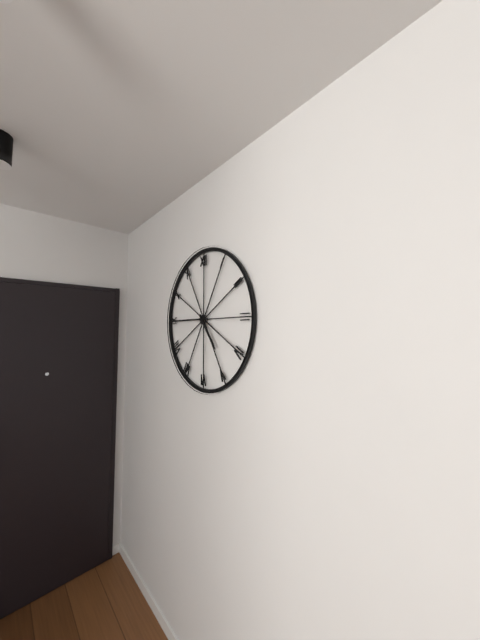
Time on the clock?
4:45
